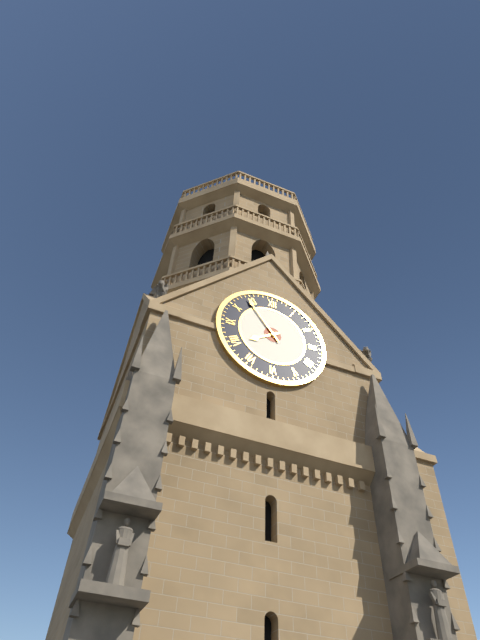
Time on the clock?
7:54
